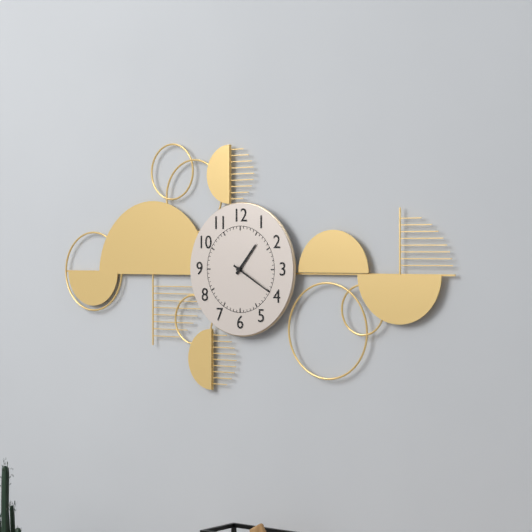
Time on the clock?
1:20
